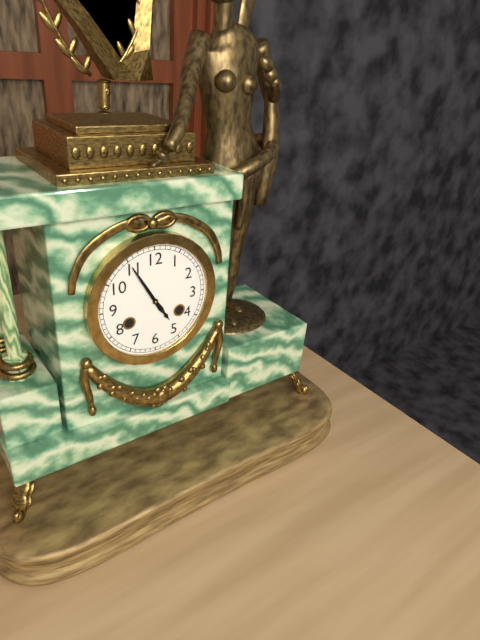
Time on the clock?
4:55
